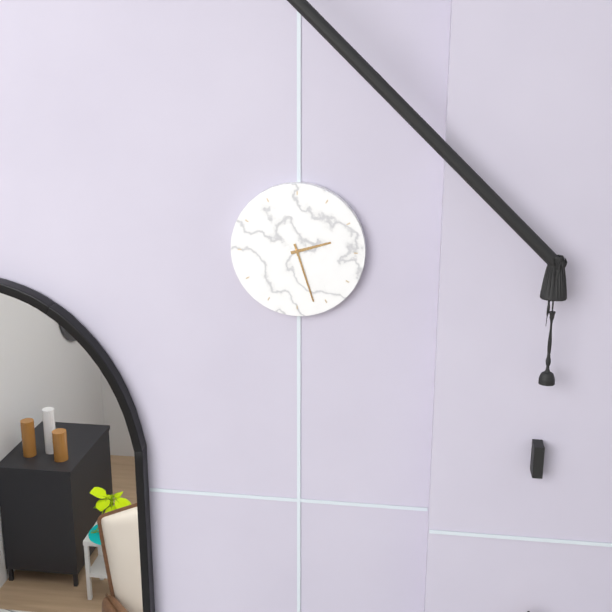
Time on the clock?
2:27
